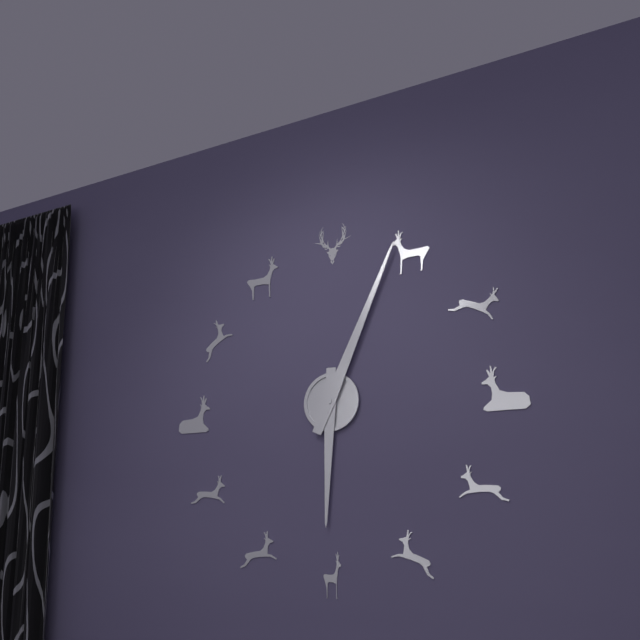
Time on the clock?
6:04
